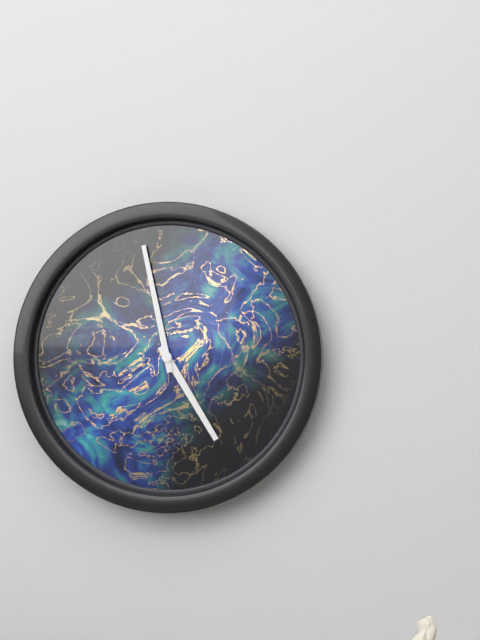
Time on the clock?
4:58
